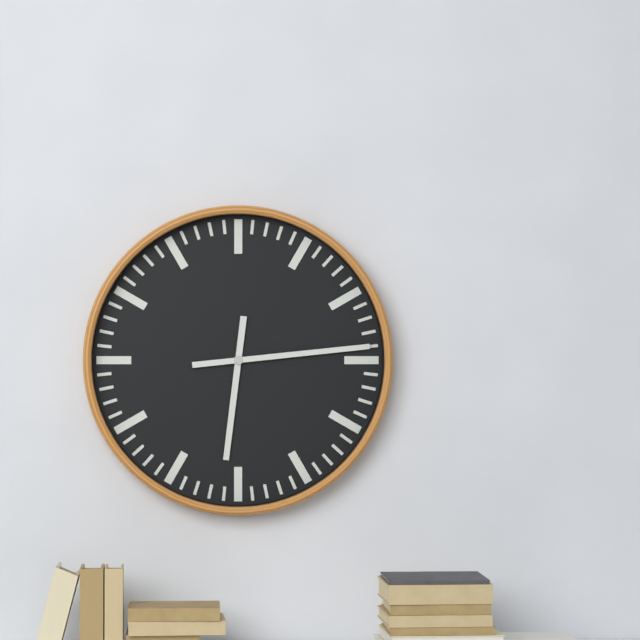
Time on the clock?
6:14
